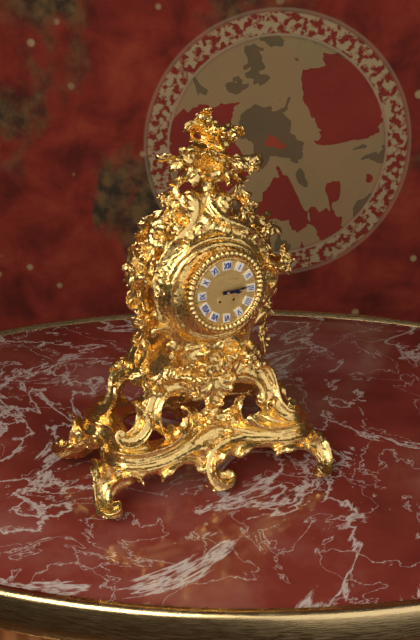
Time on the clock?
3:14
